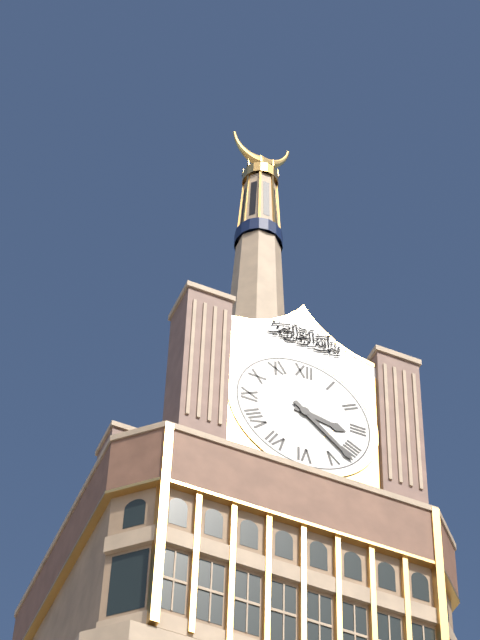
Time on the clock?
3:22
